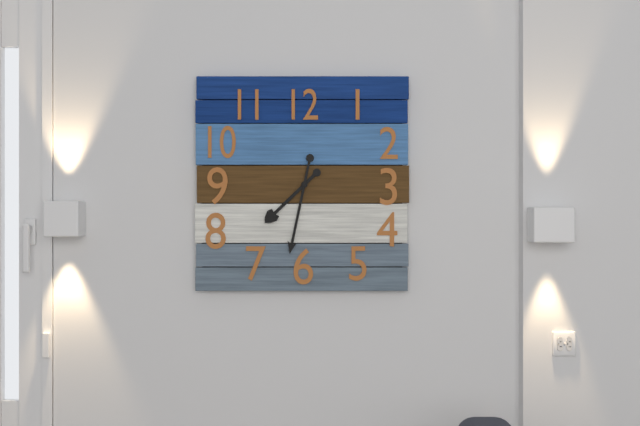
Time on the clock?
7:32
